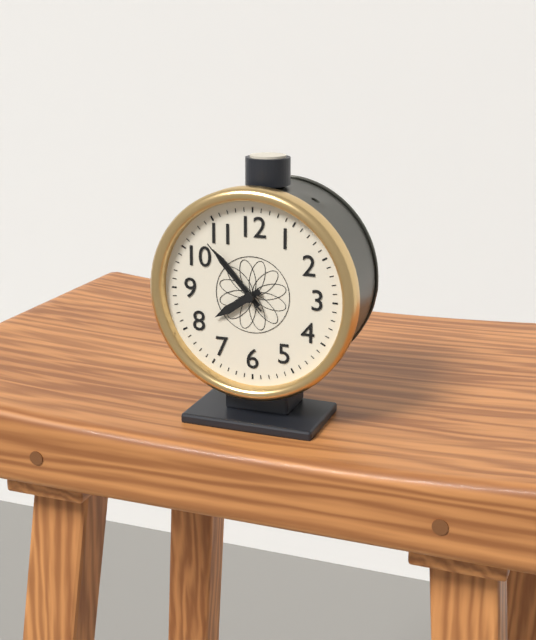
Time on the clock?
7:53:53
